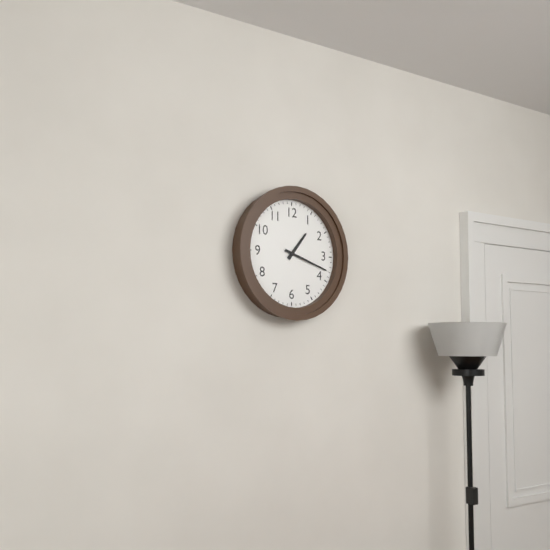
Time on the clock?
1:18
